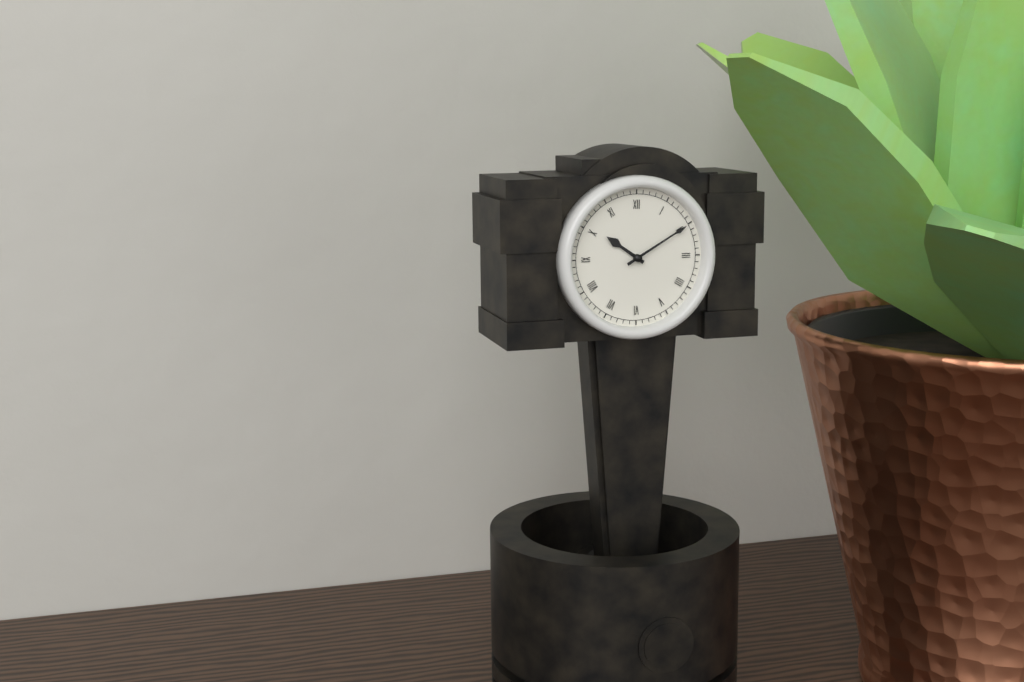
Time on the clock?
10:10
